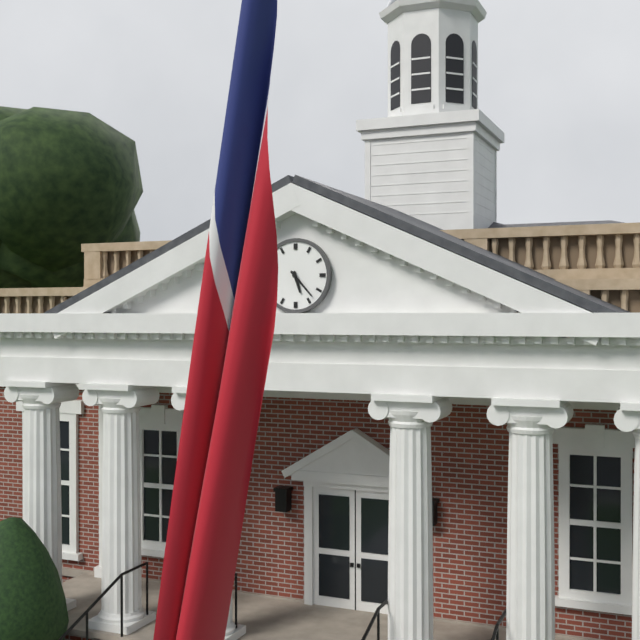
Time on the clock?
5:23
